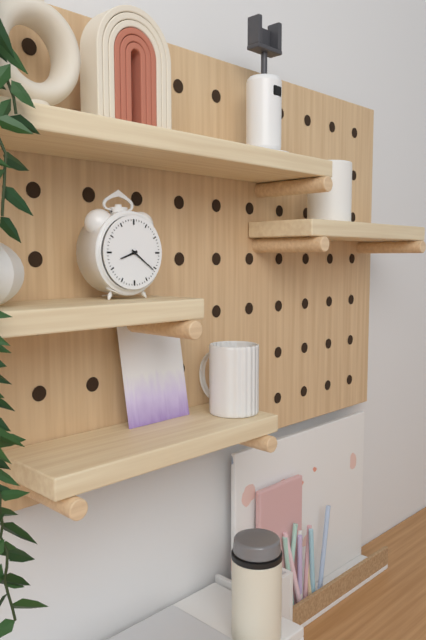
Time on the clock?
8:21
